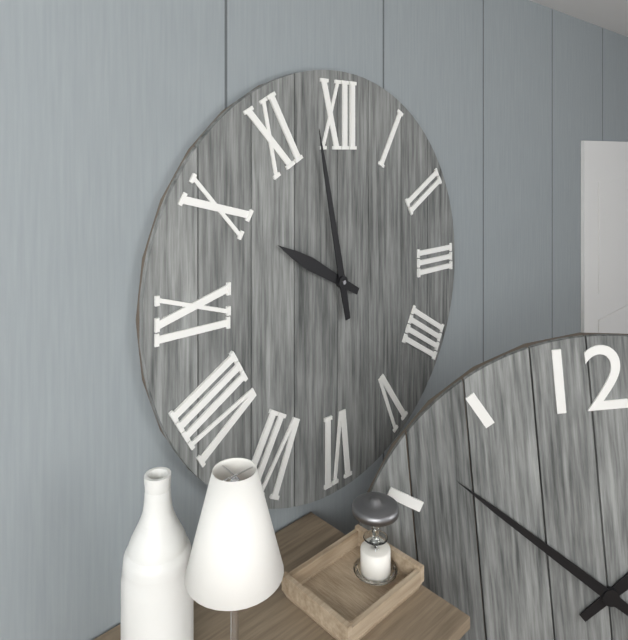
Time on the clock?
9:58
